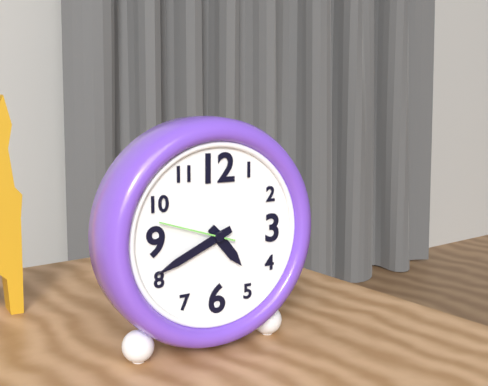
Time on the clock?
4:41:48
